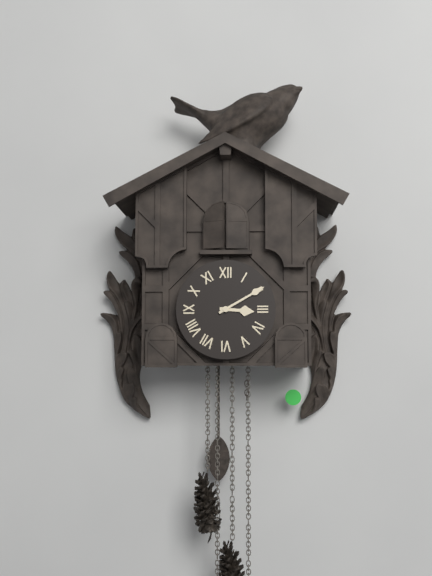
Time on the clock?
3:10
